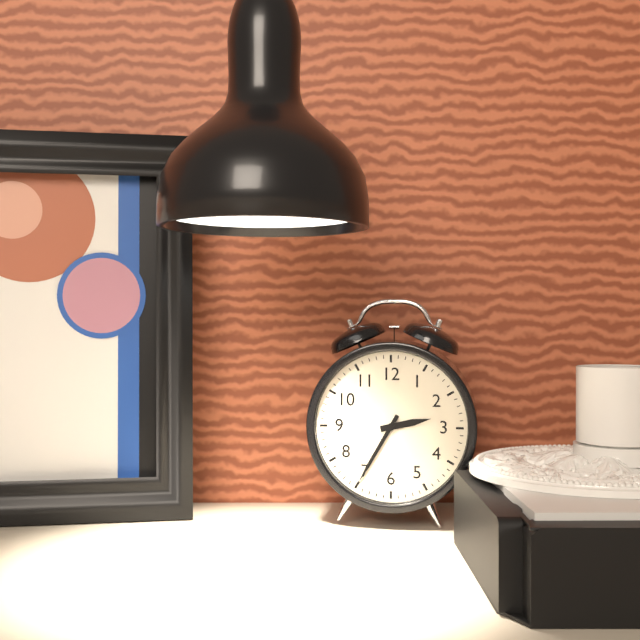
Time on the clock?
2:35
